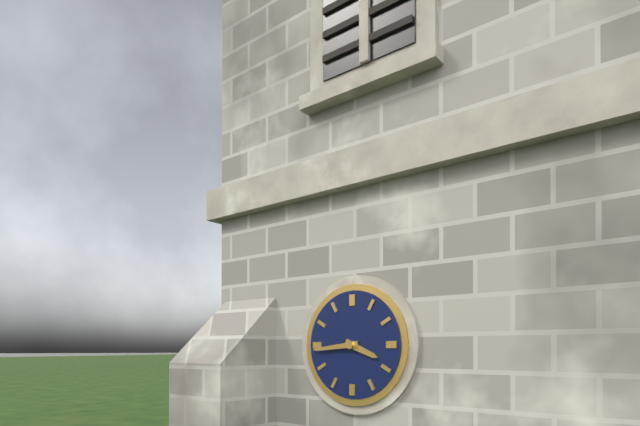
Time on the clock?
3:44
